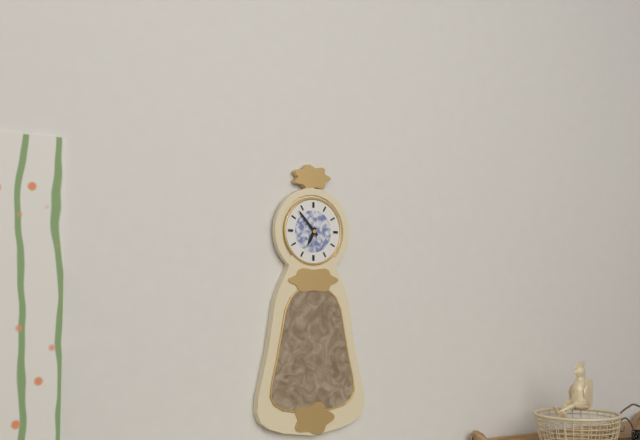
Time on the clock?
6:53
